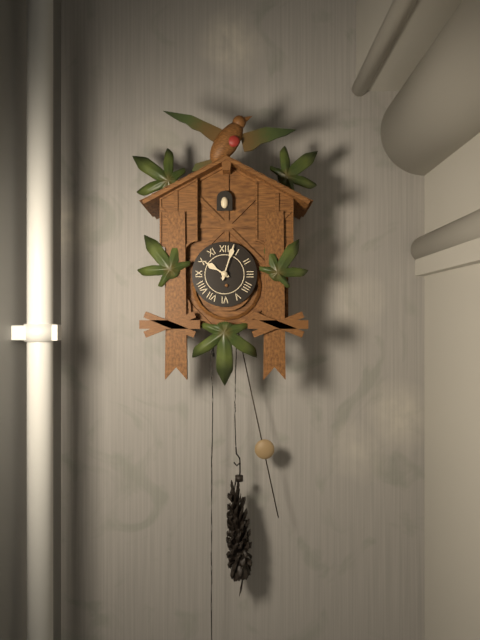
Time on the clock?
10:03
